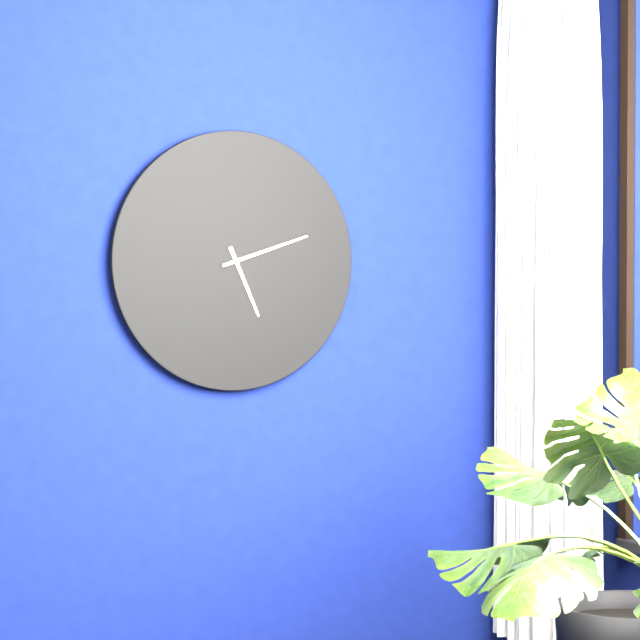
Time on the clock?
5:12
